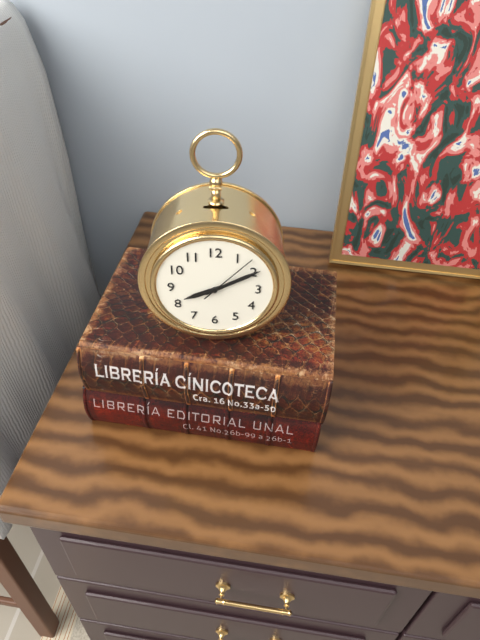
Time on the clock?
8:10:07
